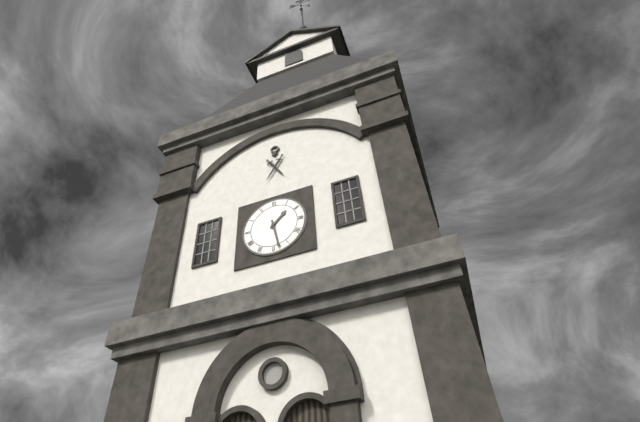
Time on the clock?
1:28
